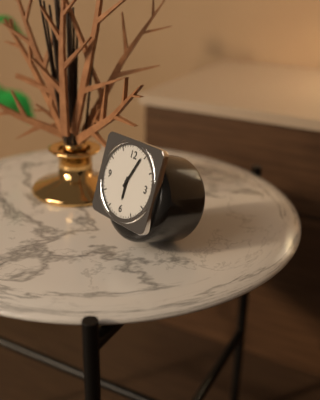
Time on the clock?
6:04
